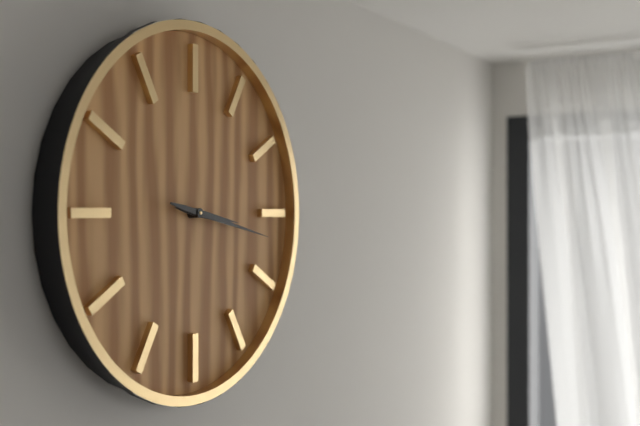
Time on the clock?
3:17
